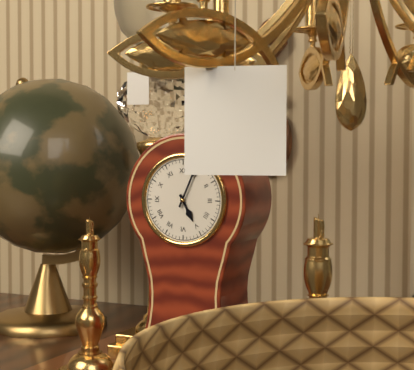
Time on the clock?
5:04
